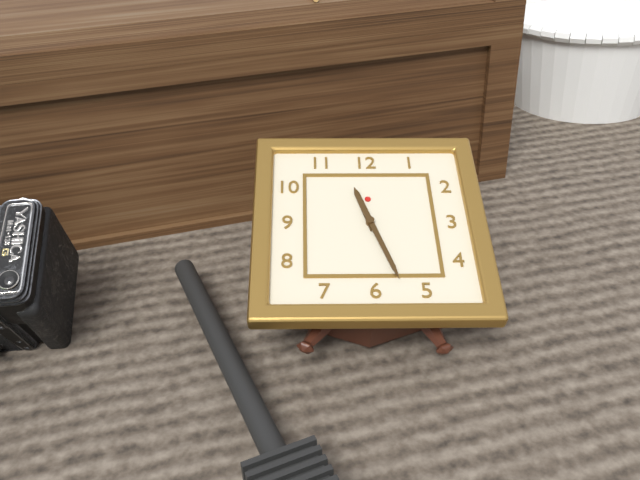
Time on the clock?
11:27
